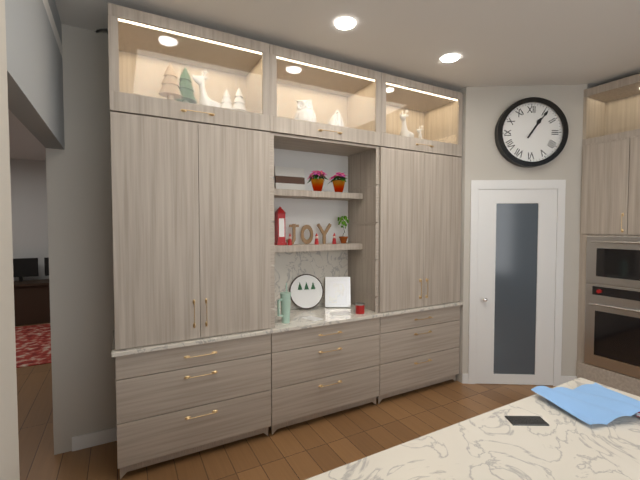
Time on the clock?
1:06
